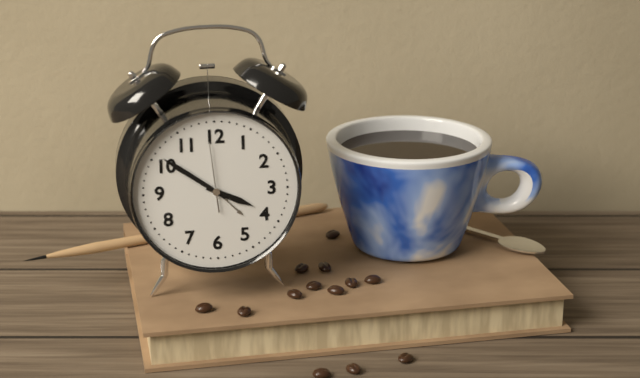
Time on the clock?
3:51
